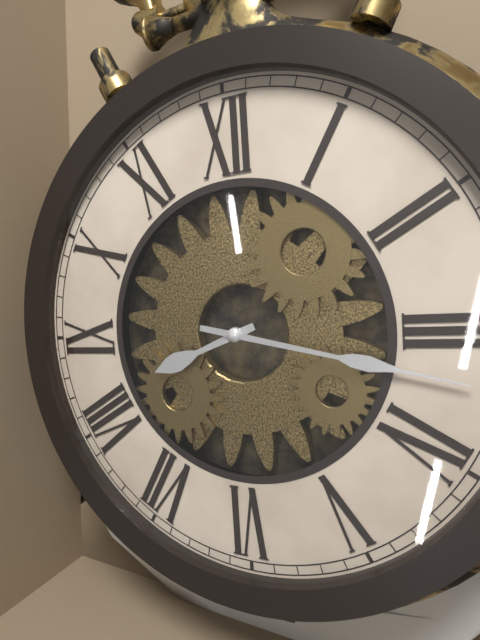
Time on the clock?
8:17
